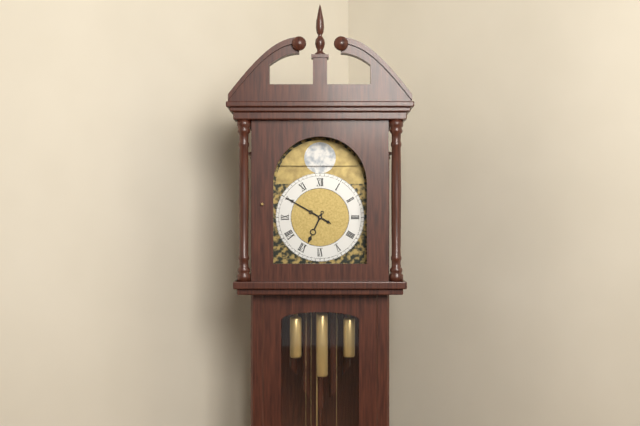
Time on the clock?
6:50
